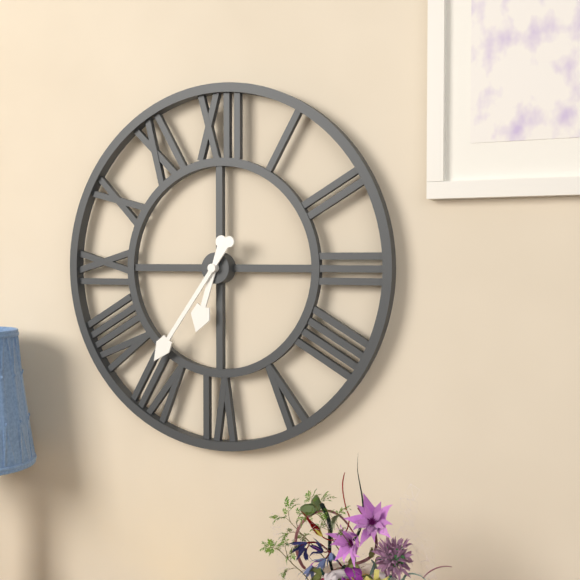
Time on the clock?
6:36
